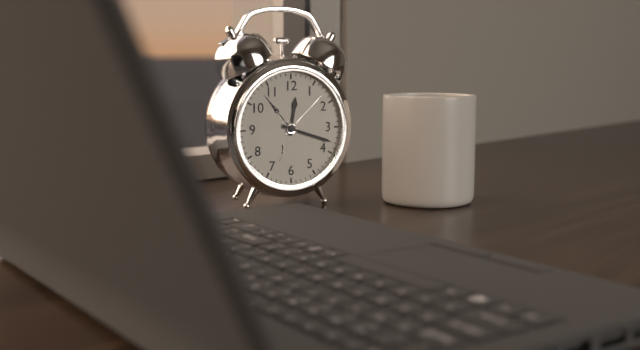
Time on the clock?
12:18
